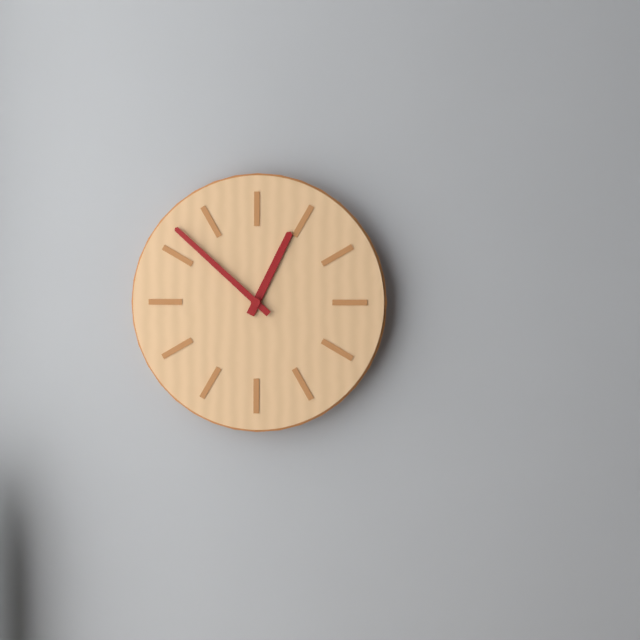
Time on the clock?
12:52
